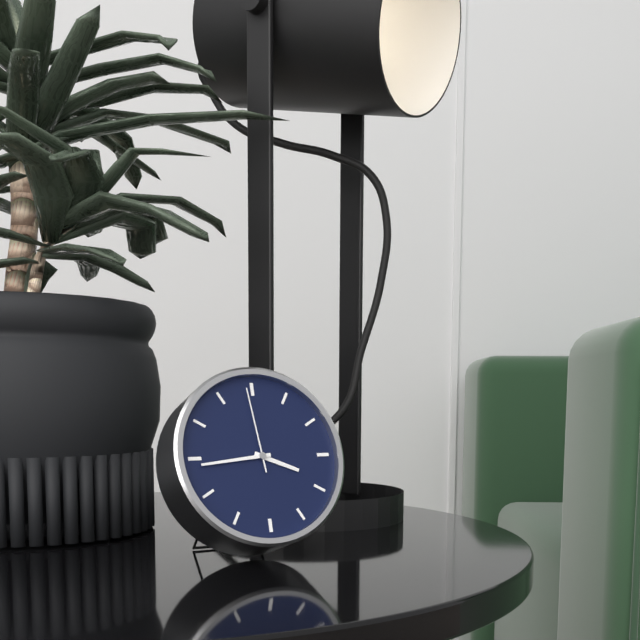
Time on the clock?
3:44:59
